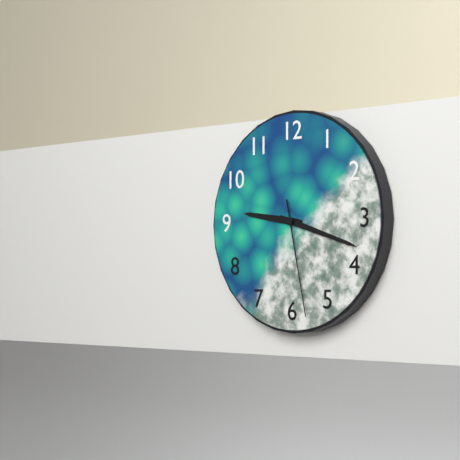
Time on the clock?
9:18:28
